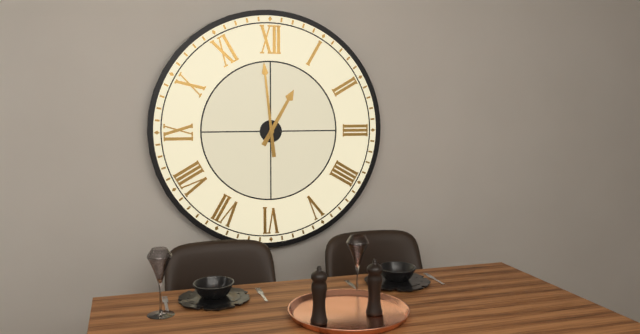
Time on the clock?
12:59
